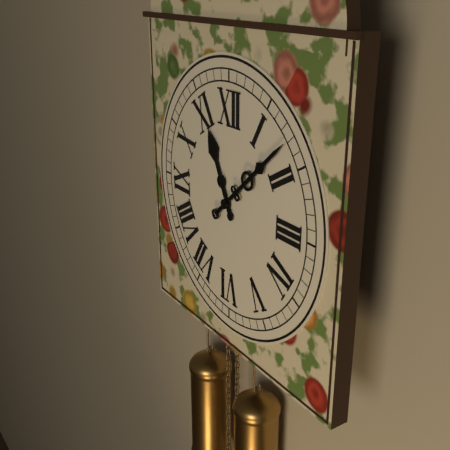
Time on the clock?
11:08
